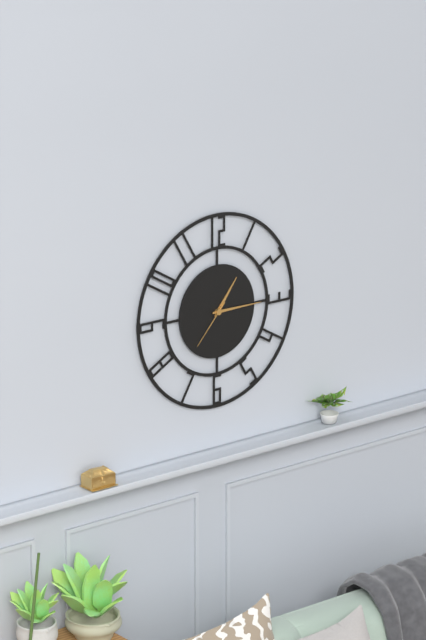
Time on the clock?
1:15:37
